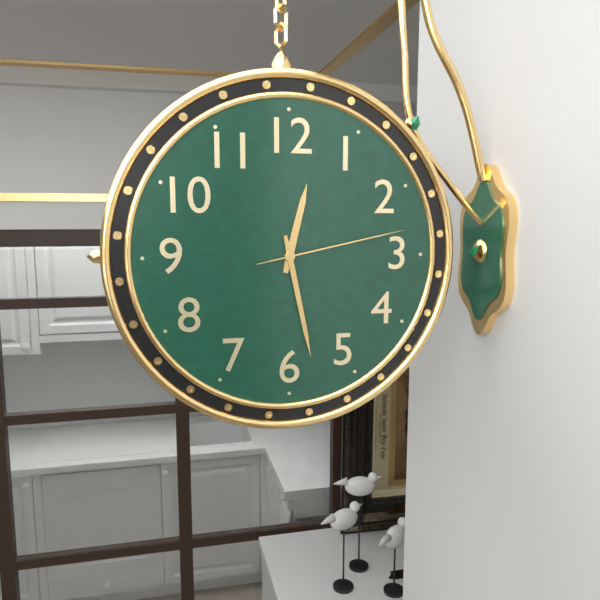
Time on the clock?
12:28:13
